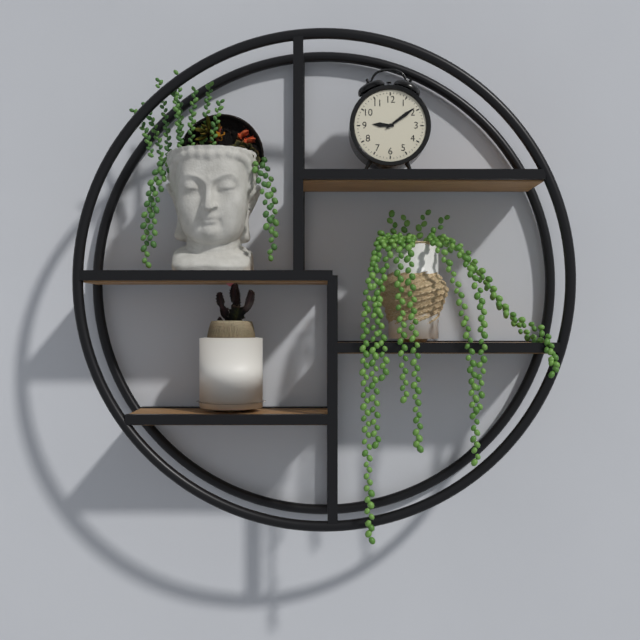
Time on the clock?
9:09
